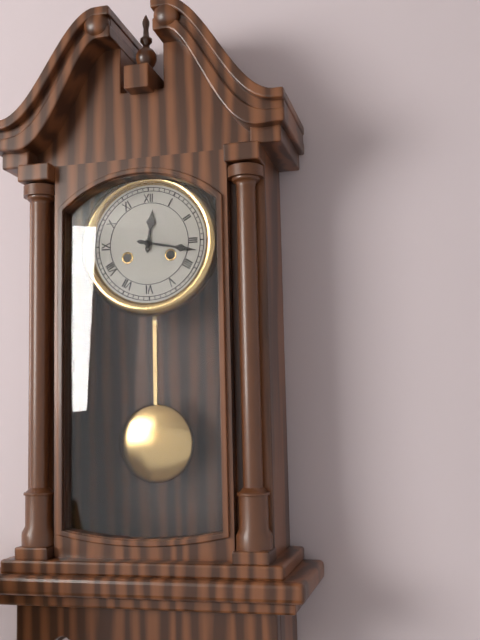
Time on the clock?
12:17
